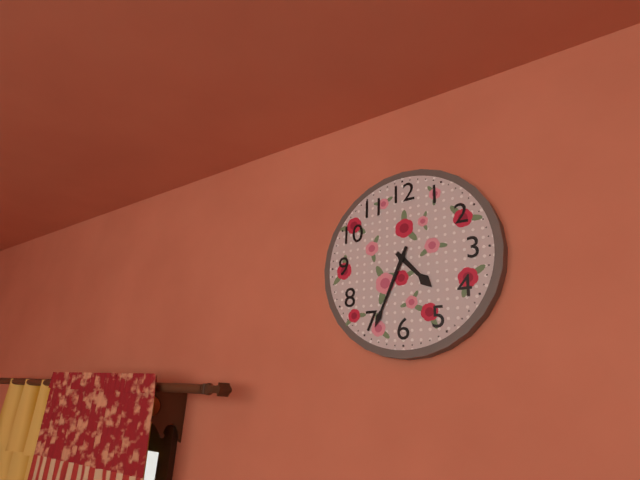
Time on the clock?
4:34
